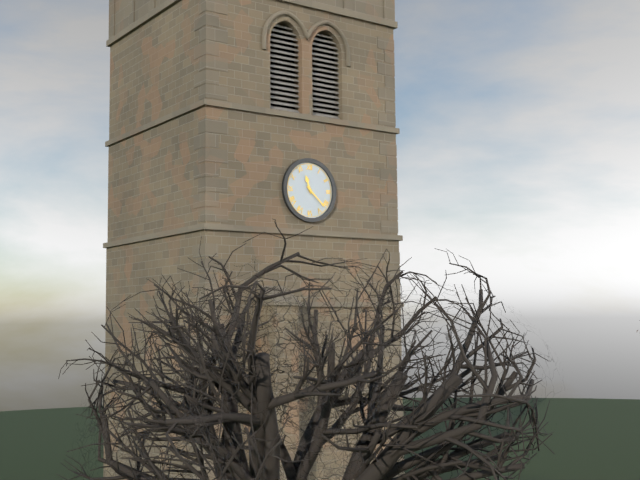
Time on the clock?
11:22
